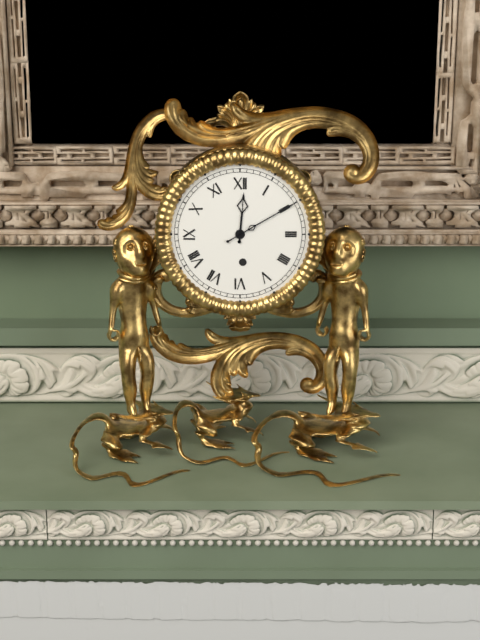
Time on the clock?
12:10
